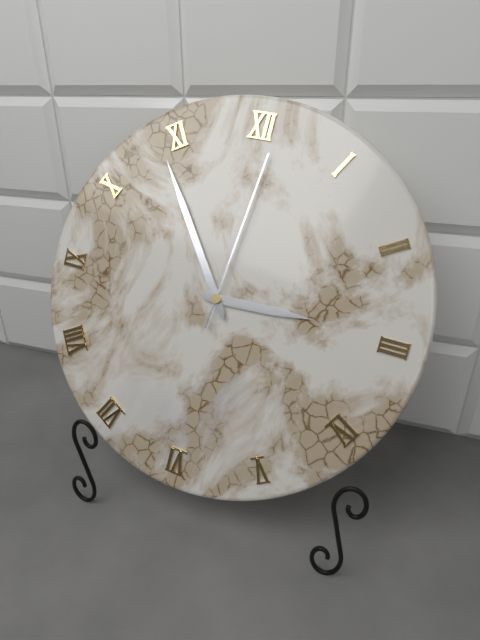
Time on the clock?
2:54:01
